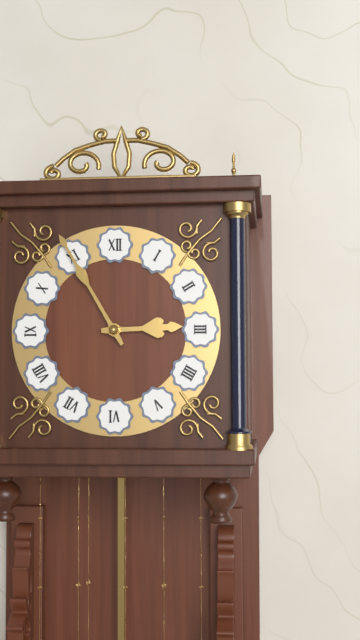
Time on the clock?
2:55
